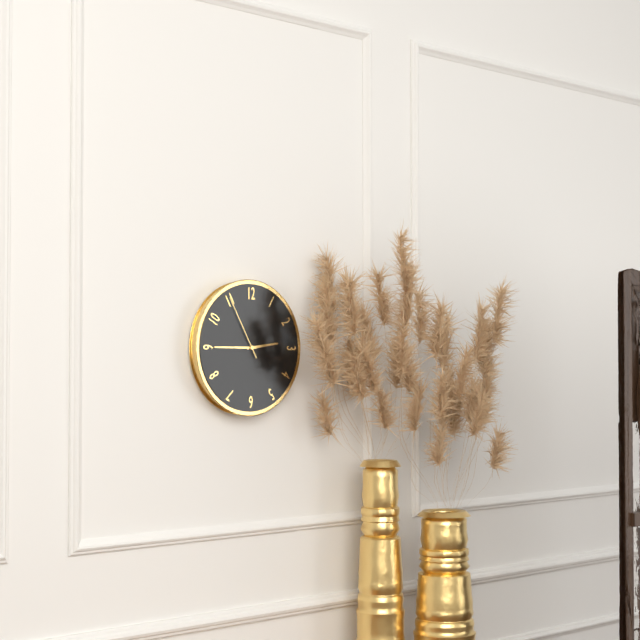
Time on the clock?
2:45:55
